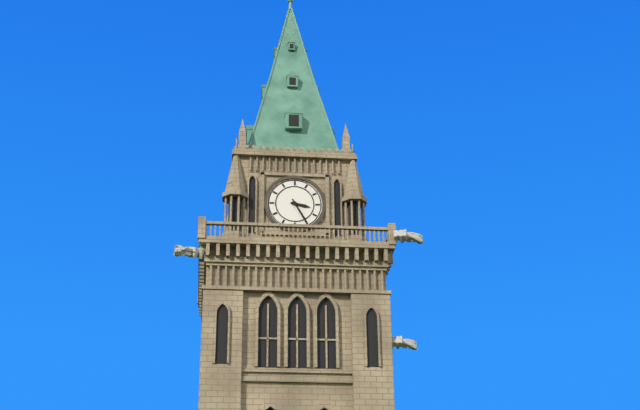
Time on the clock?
3:25
